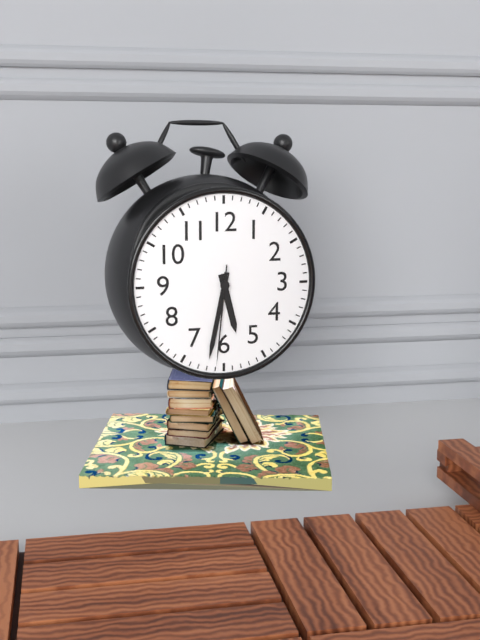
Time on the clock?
5:32:31
